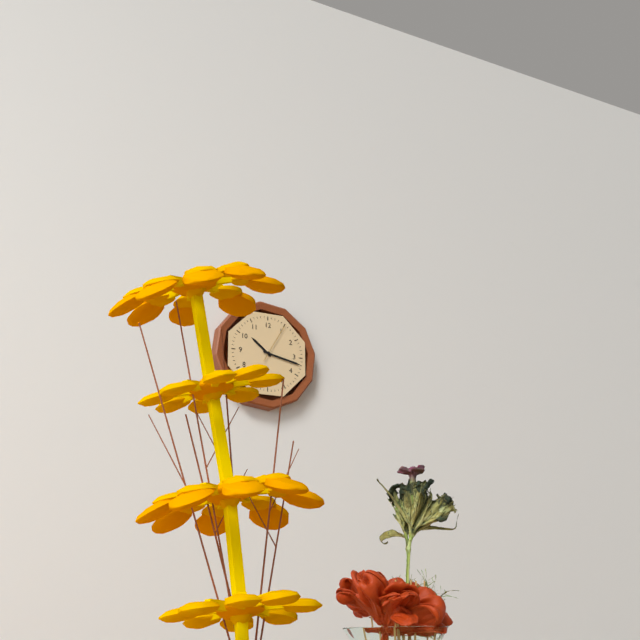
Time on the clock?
10:17
